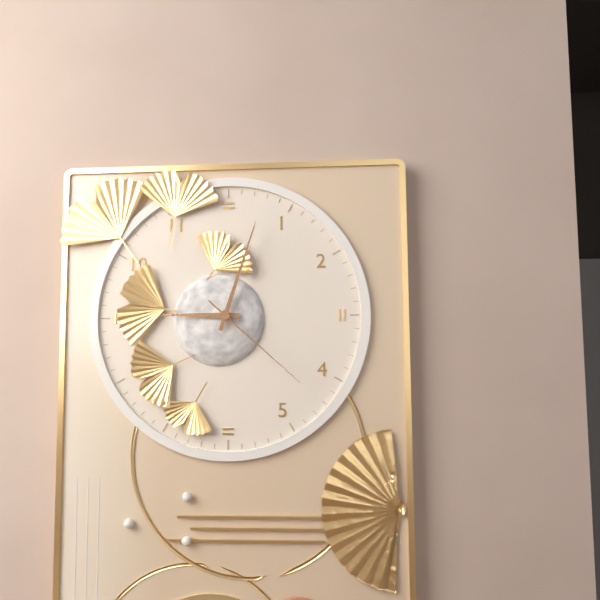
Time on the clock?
9:03:22
